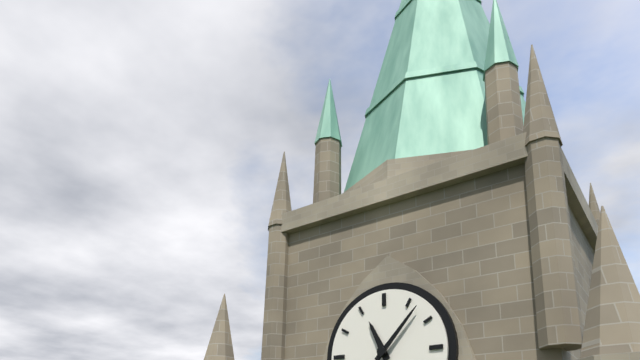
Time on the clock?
11:07
